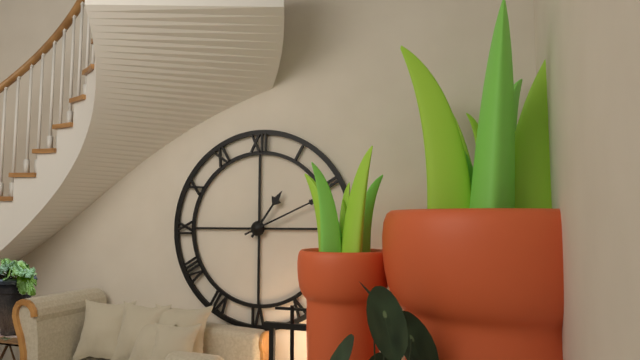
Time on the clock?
1:11
